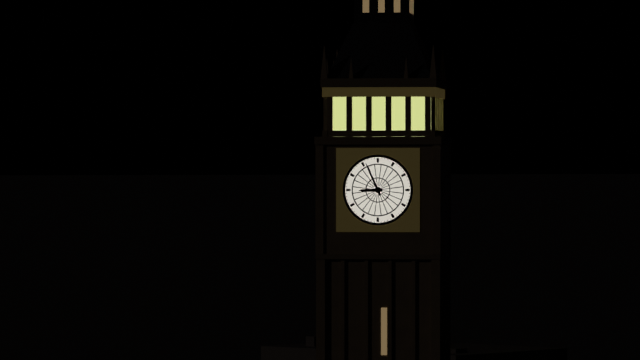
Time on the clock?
8:56
